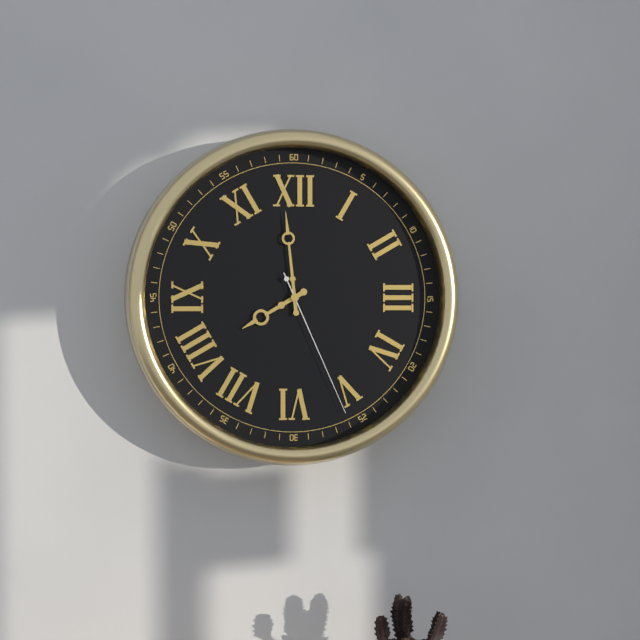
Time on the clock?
7:59:26
